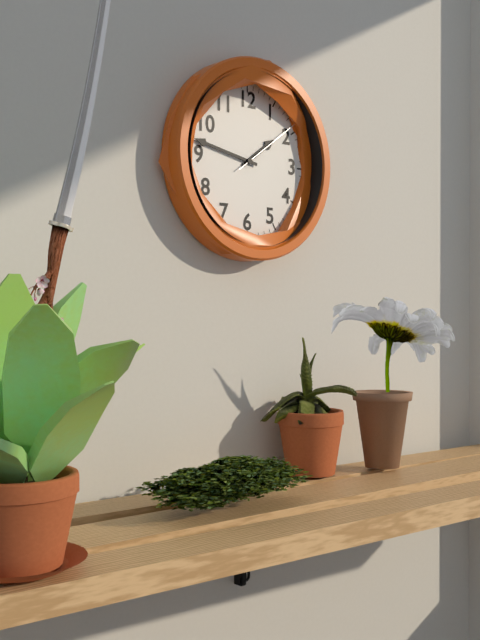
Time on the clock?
1:47:09
